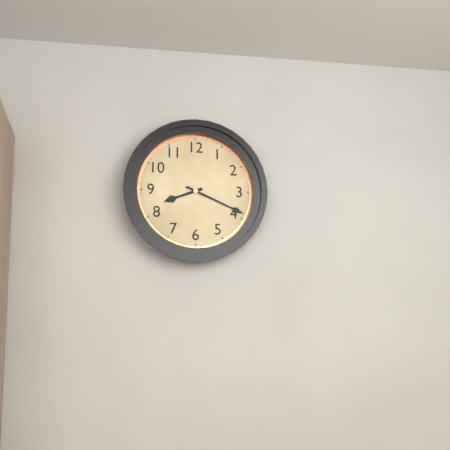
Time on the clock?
8:19
